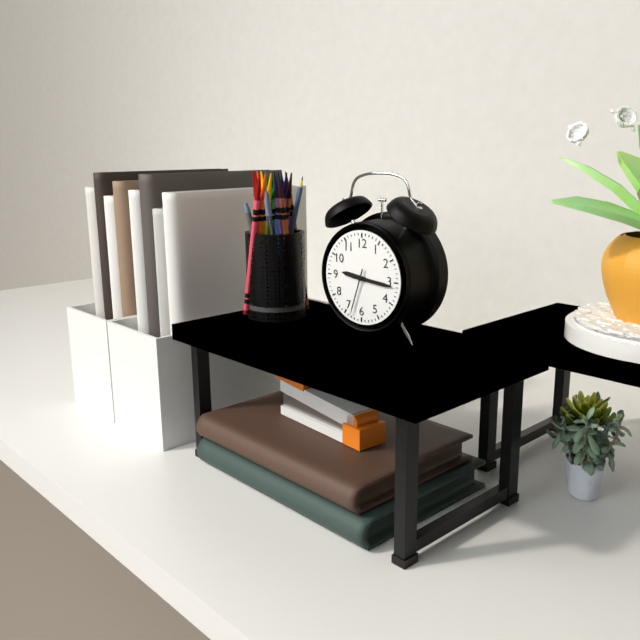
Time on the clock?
9:16
